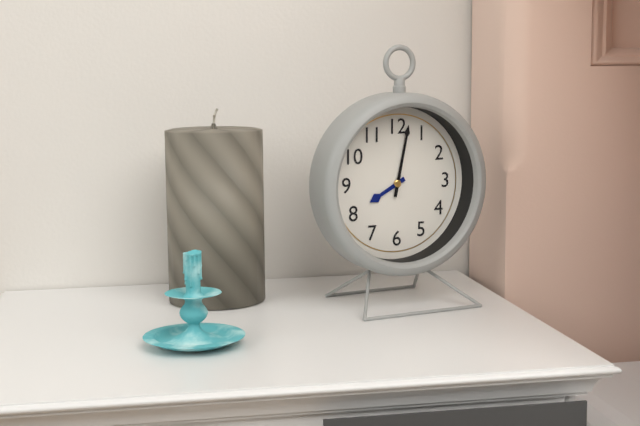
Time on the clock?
8:02
